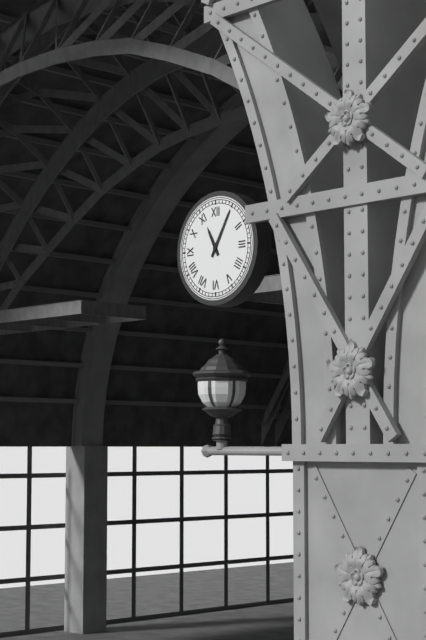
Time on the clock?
11:05
